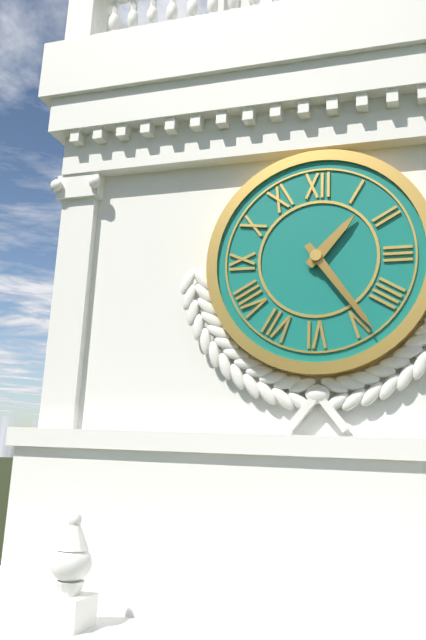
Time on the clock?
1:24
